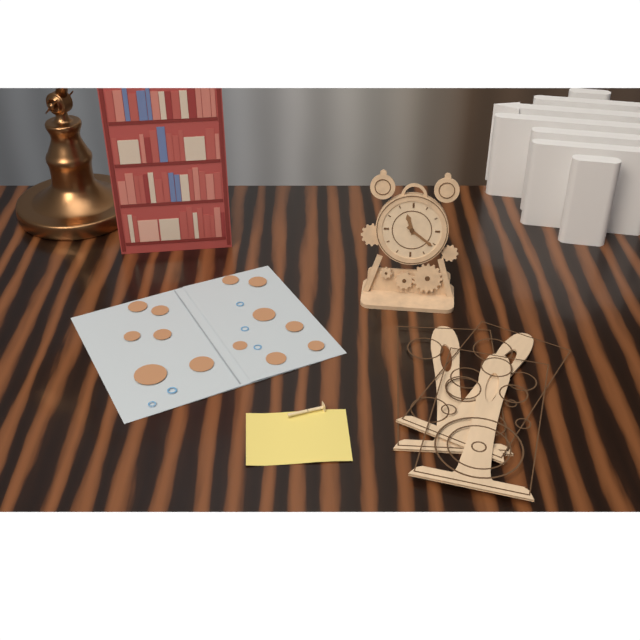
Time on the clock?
11:21
